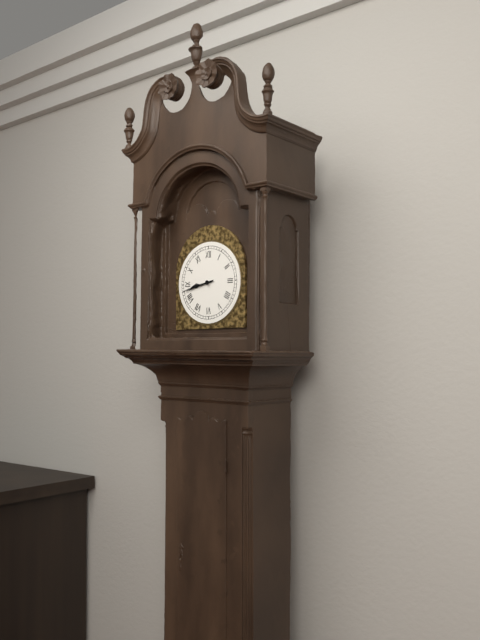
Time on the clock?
8:43
